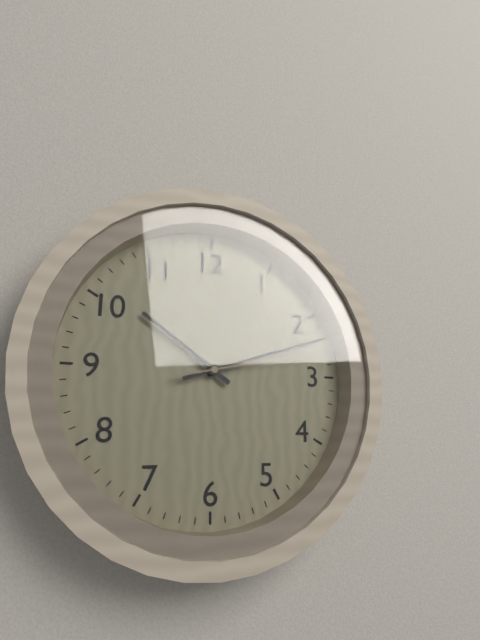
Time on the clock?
10:12:13
